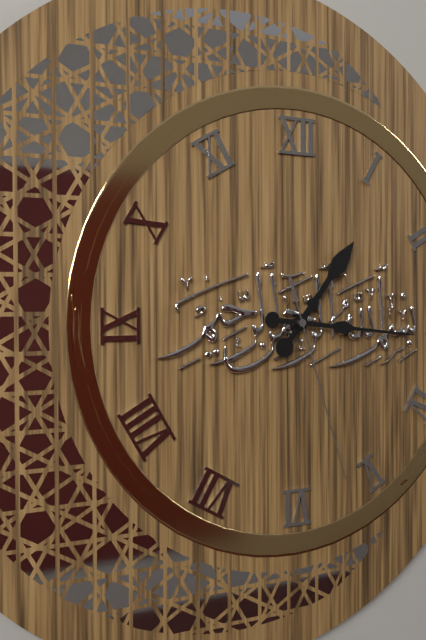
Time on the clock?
1:16:27
